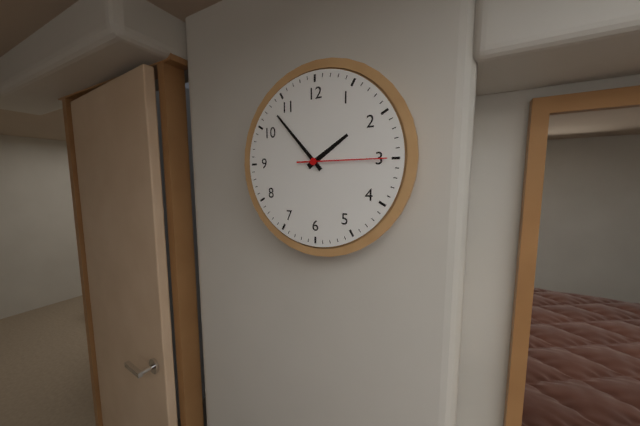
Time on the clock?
1:53:15
